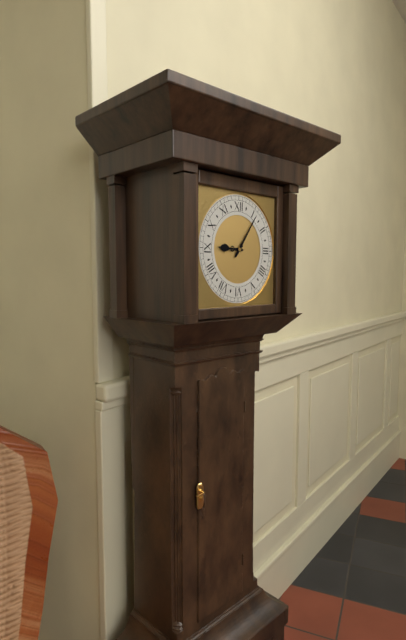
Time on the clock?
9:06
